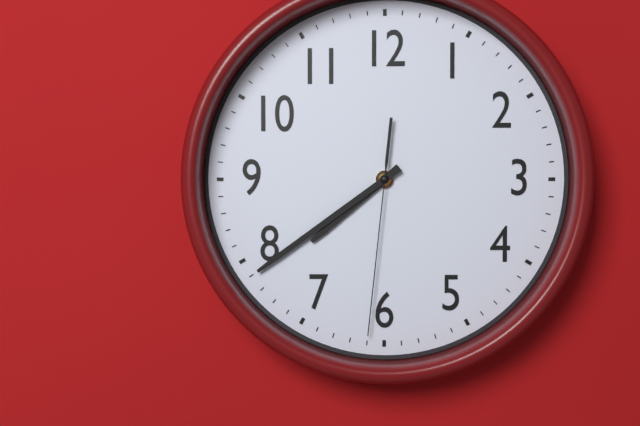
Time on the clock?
7:39:31
